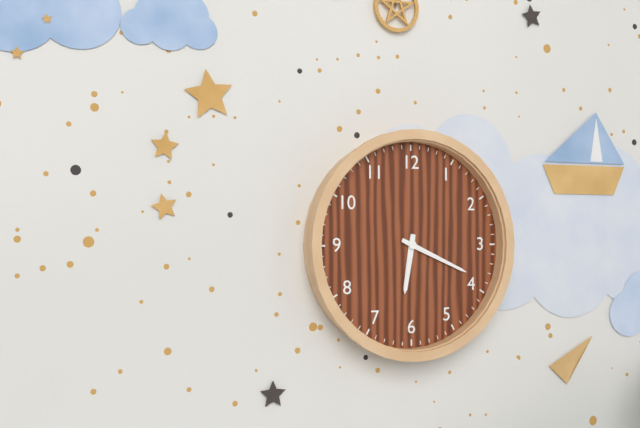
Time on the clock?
6:19
